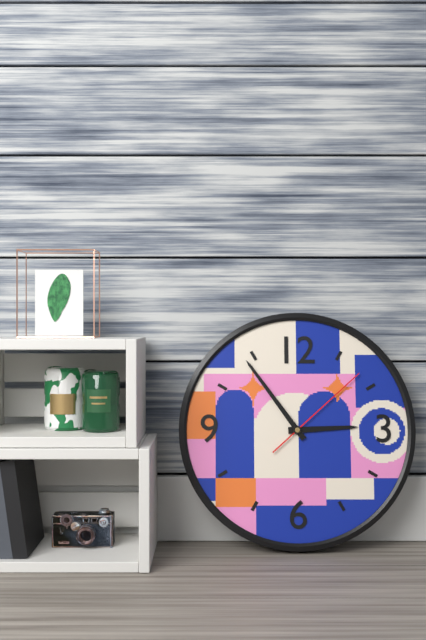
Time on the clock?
2:54:08
